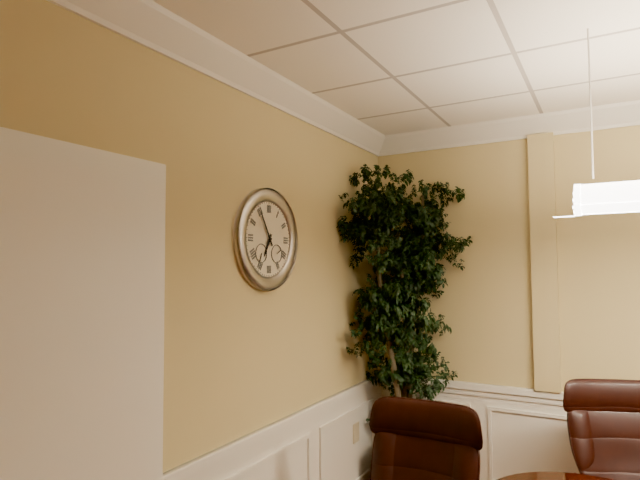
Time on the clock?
6:55
